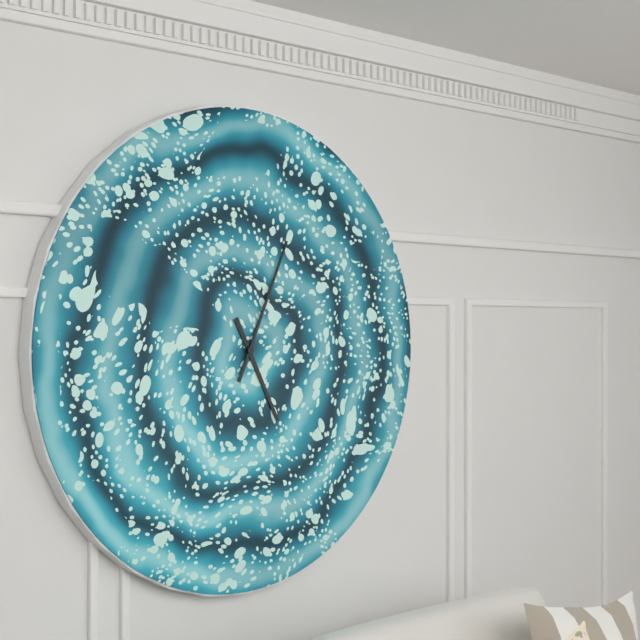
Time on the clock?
5:04
